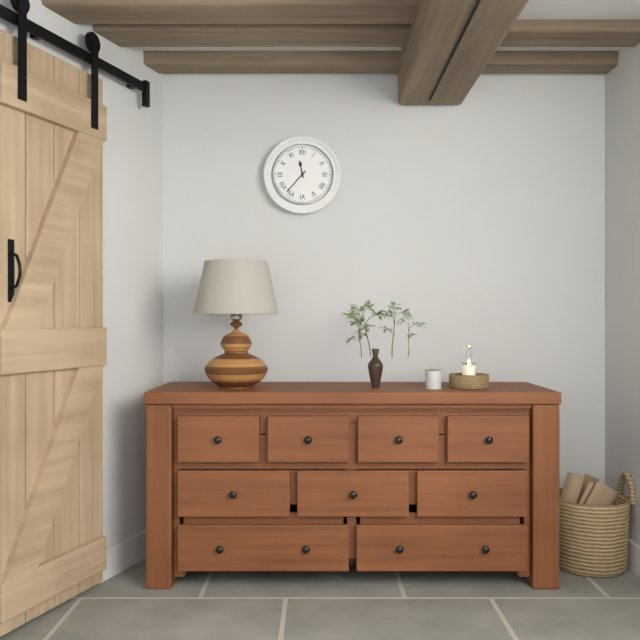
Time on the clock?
11:37
